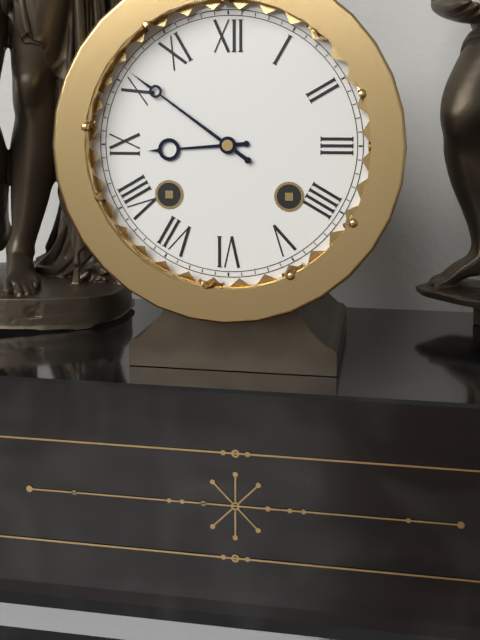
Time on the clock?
8:51
